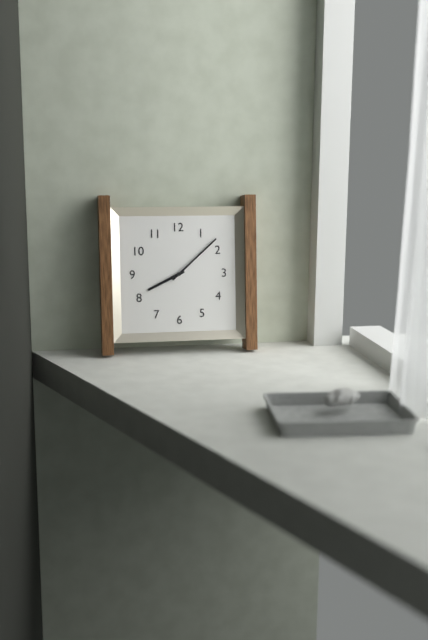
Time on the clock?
8:08
